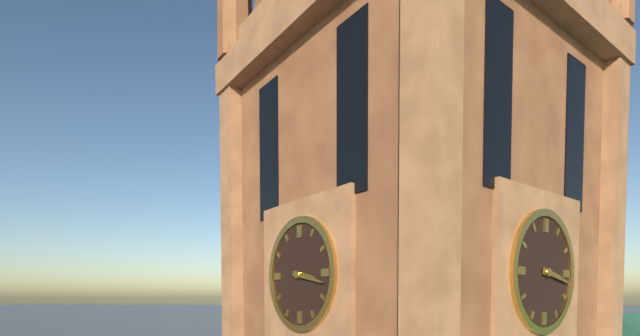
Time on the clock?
3:17
